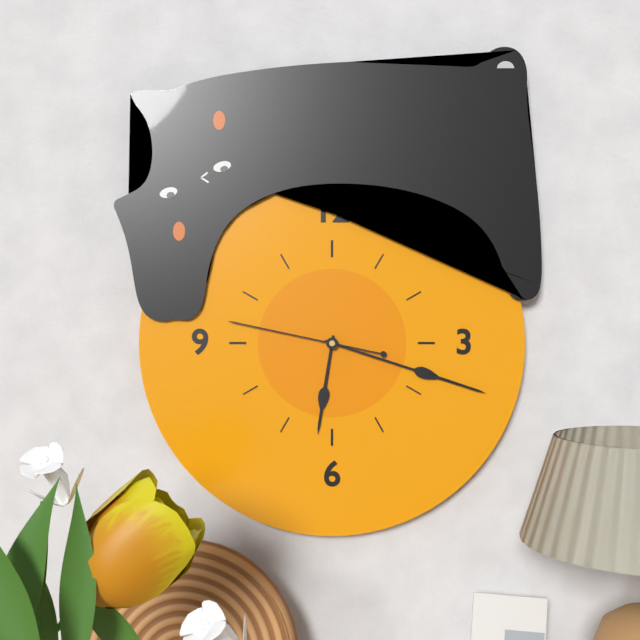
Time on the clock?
6:18:47
